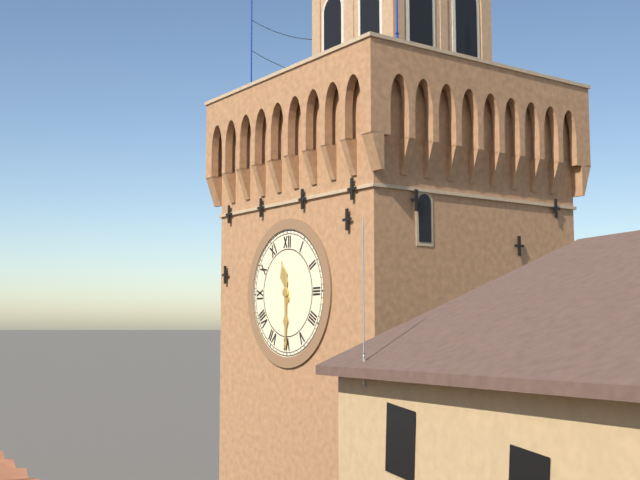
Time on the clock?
11:30
